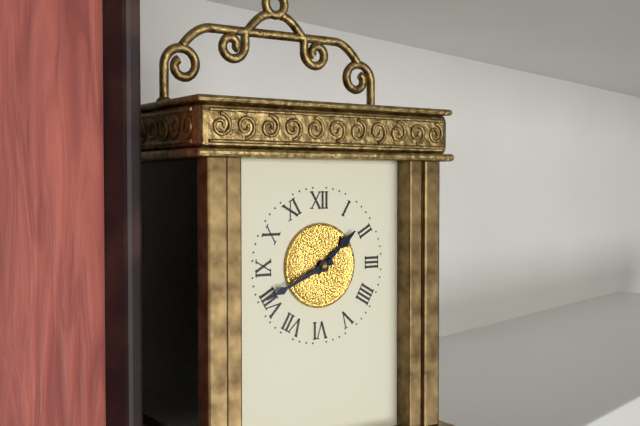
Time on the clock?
1:41
